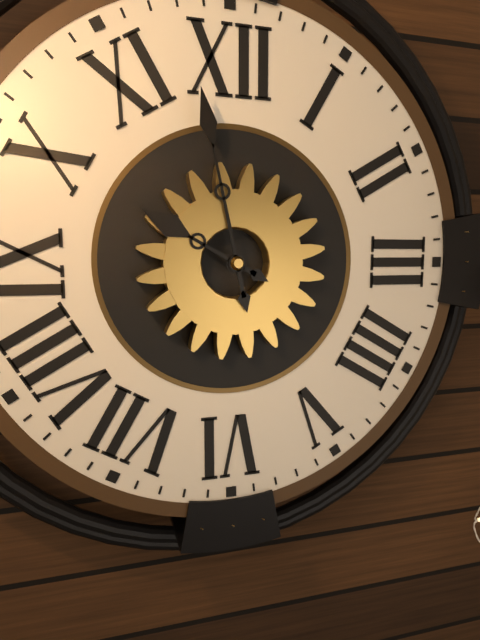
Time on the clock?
9:58
